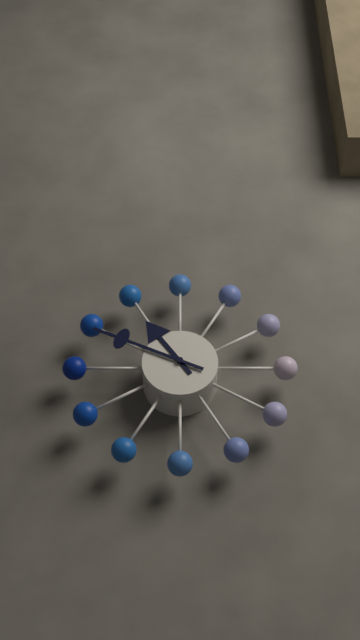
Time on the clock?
10:49
